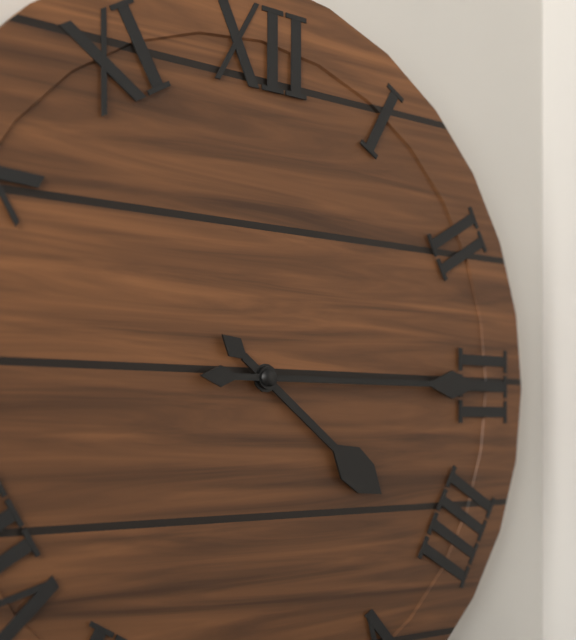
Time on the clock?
4:15
